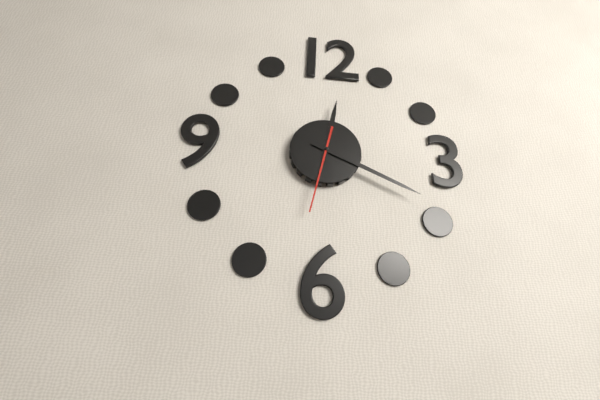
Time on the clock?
12:19:32
